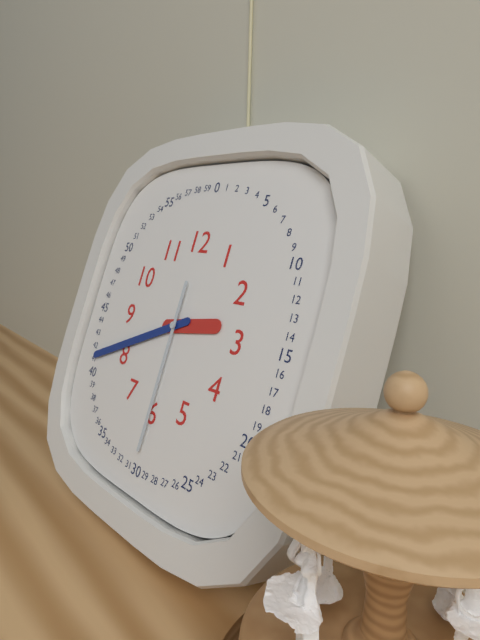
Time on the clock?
2:41:30
